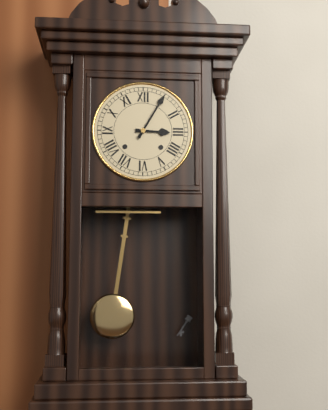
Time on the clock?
3:05
